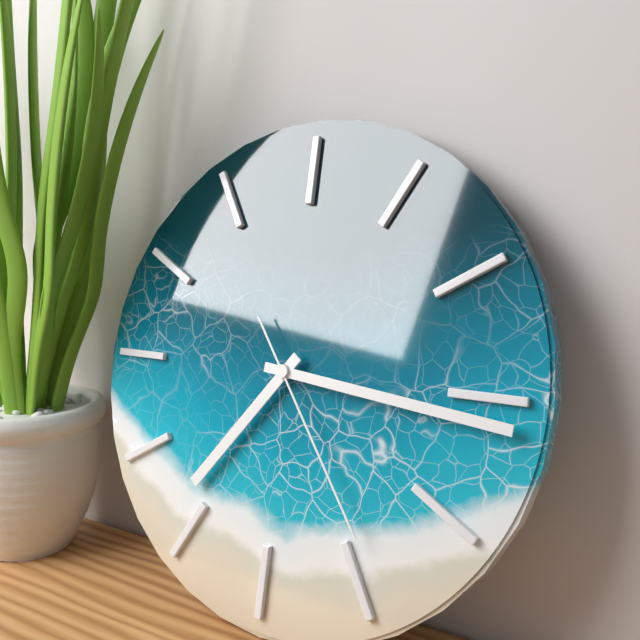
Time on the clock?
7:16:24
